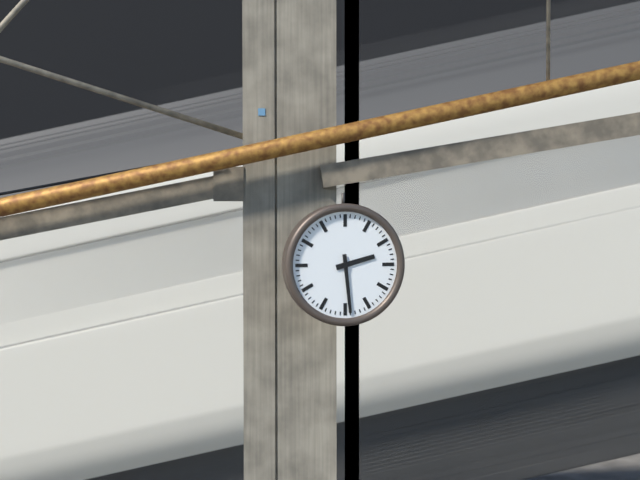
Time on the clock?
2:29
